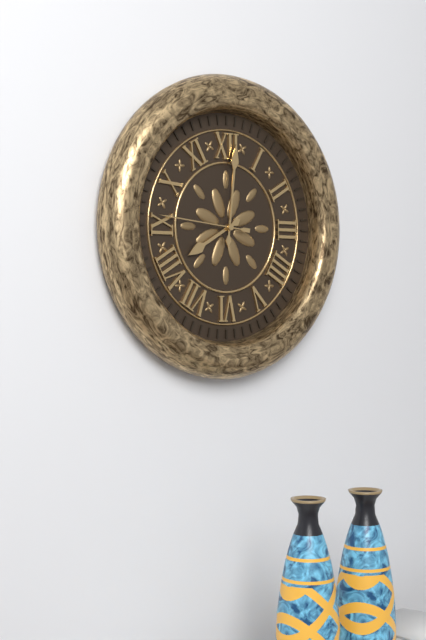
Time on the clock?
8:01:46
